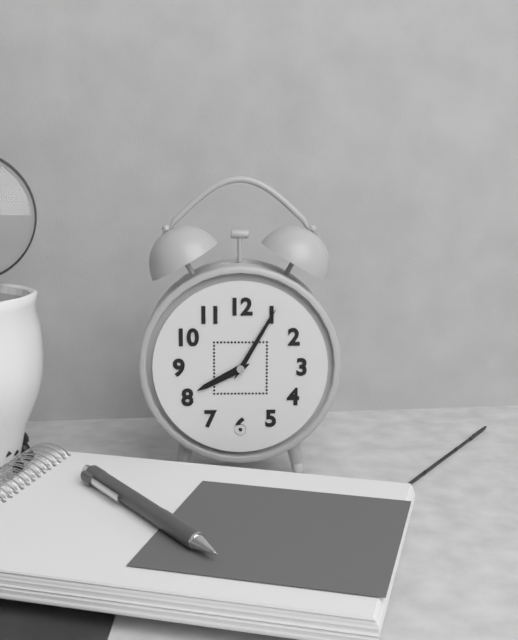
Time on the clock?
8:05
